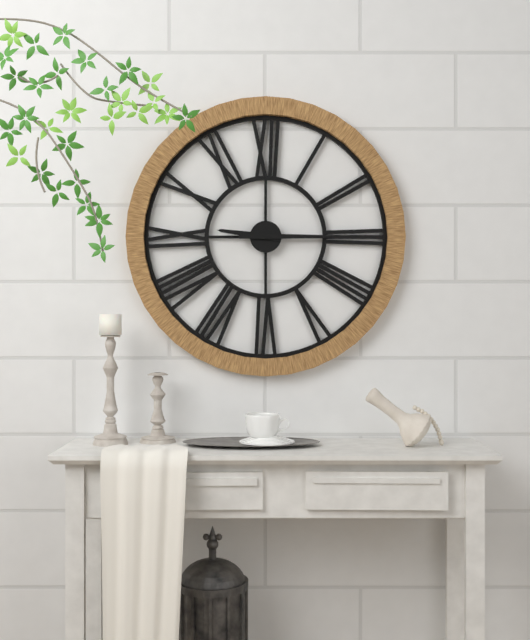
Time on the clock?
9:15
